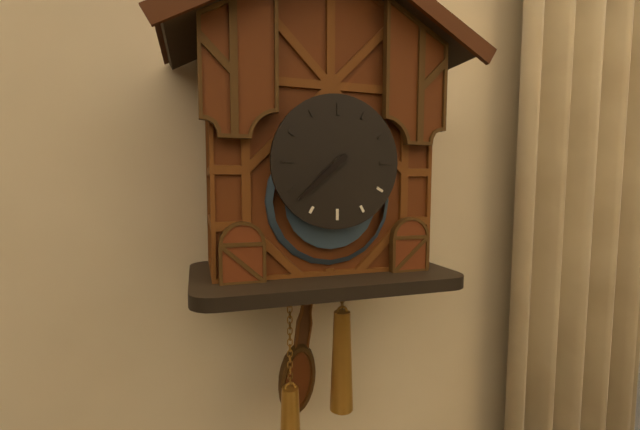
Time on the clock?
7:38
